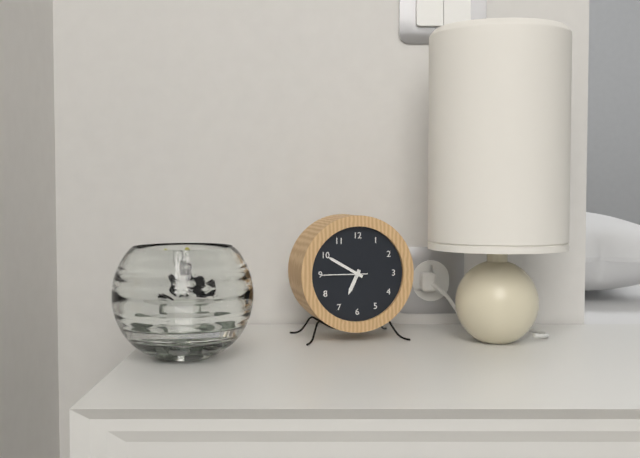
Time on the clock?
6:50
